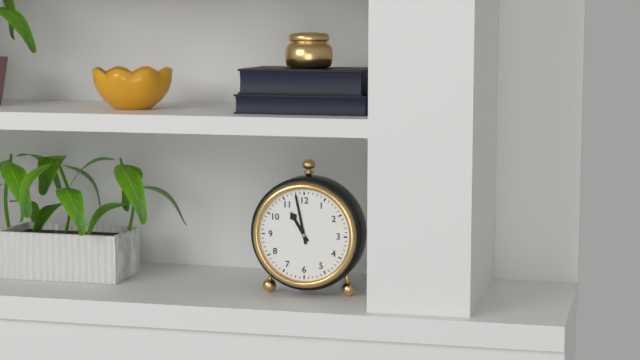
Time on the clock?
10:58
